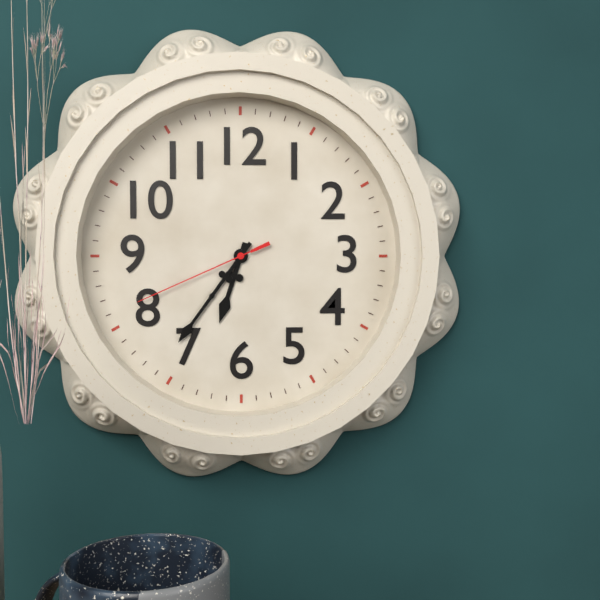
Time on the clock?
6:36:41
